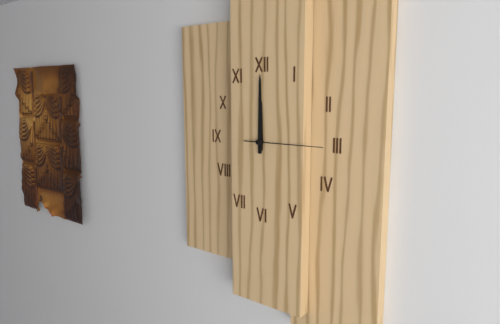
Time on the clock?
12:00:15
